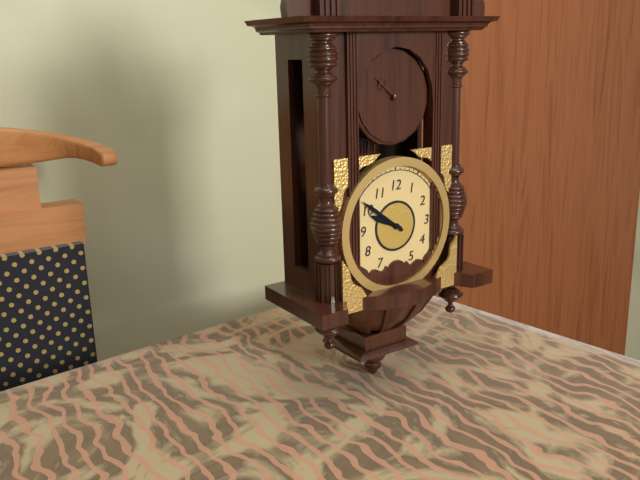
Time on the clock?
9:51
